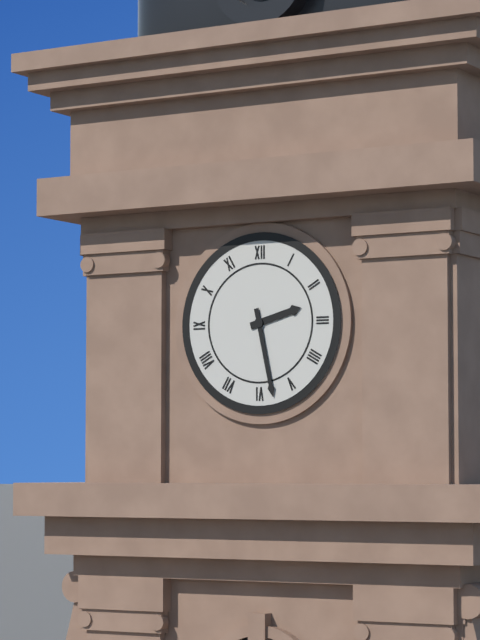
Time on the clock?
2:28
